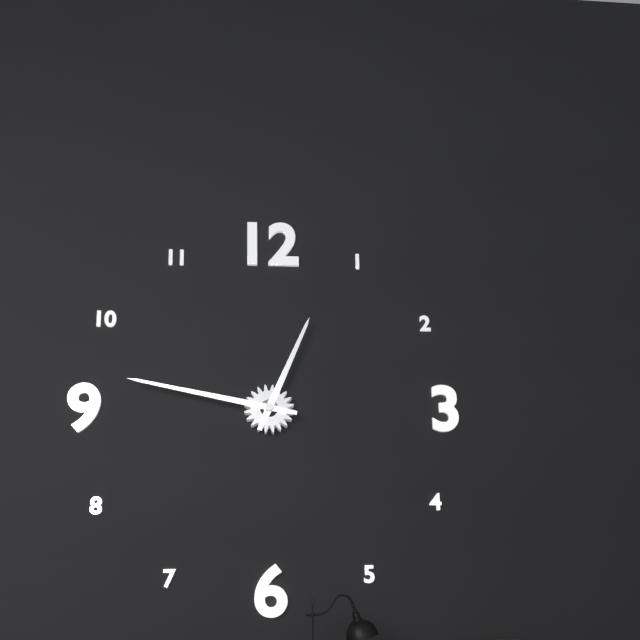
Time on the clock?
12:47
